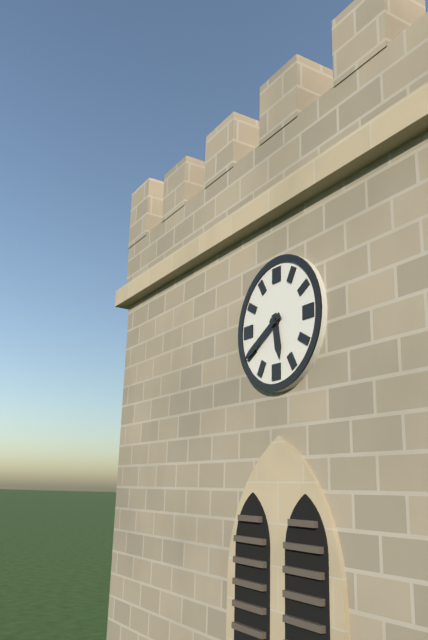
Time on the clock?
5:40
